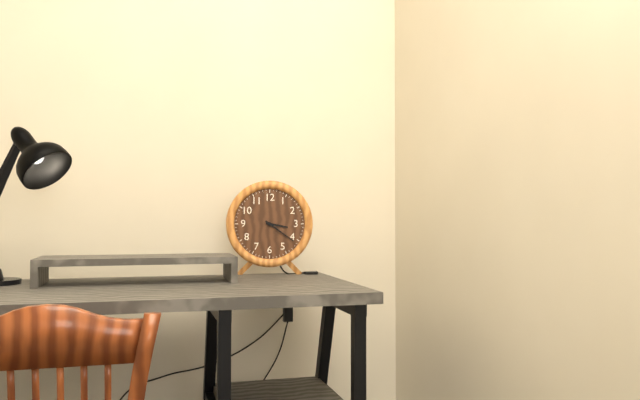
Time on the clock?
3:21
